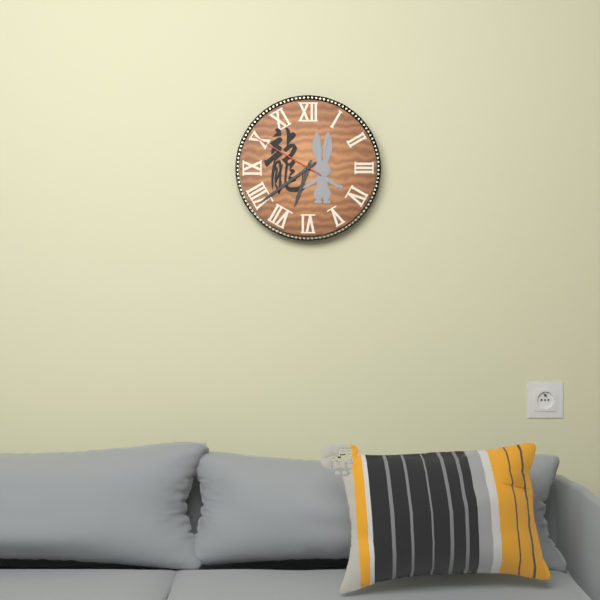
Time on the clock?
6:39:50
